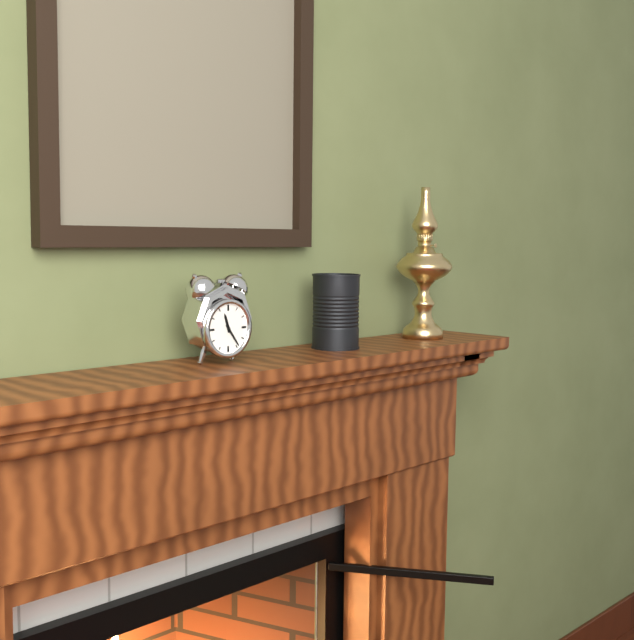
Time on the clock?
11:24
